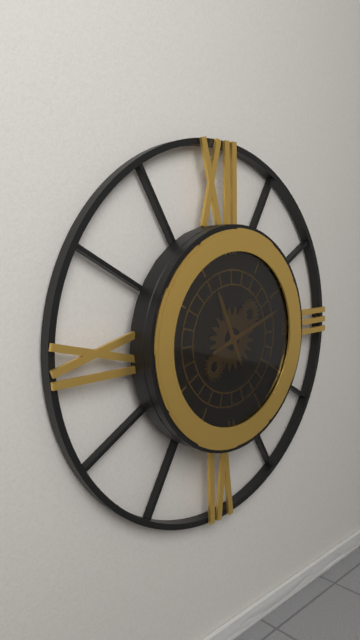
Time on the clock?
11:12
